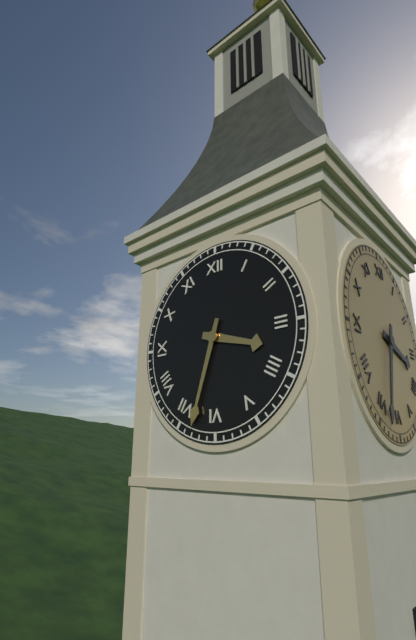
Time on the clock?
3:33
